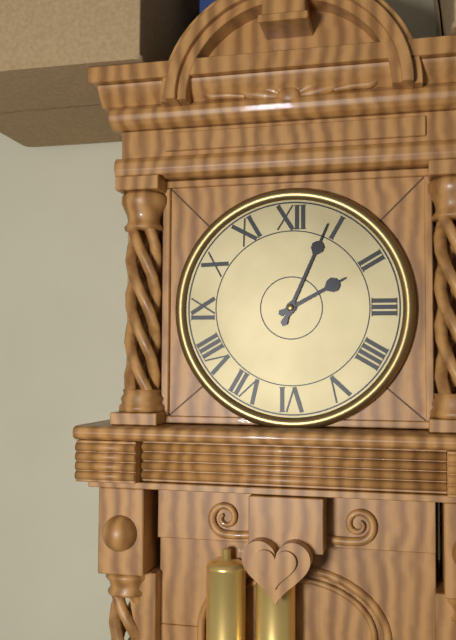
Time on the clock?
2:04
